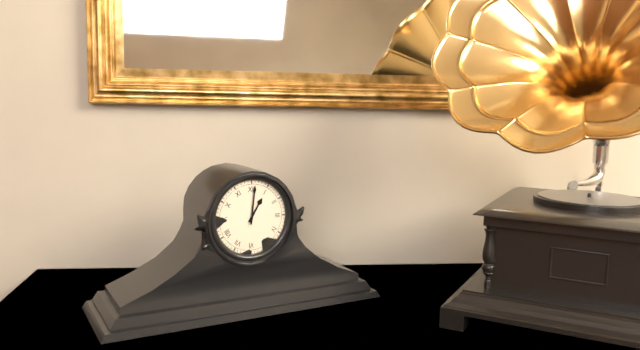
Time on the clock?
1:01
